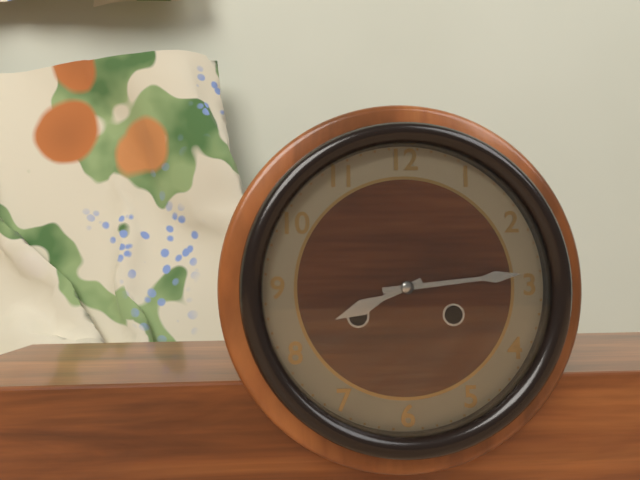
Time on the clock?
8:14
